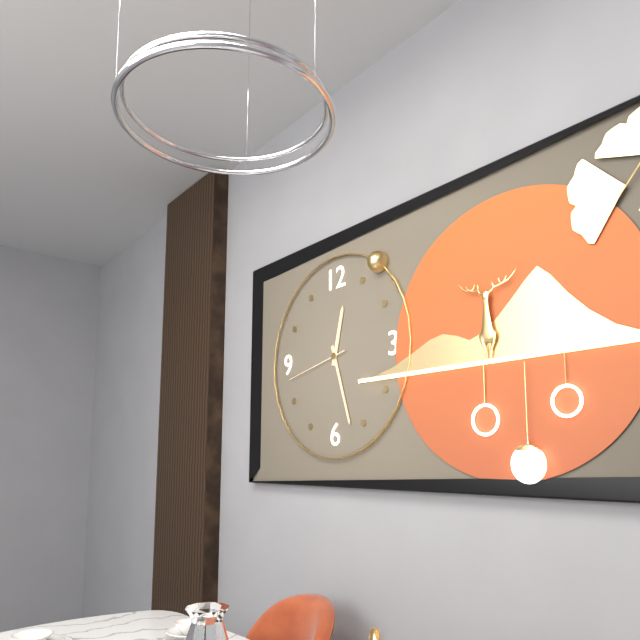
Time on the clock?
12:27:43
